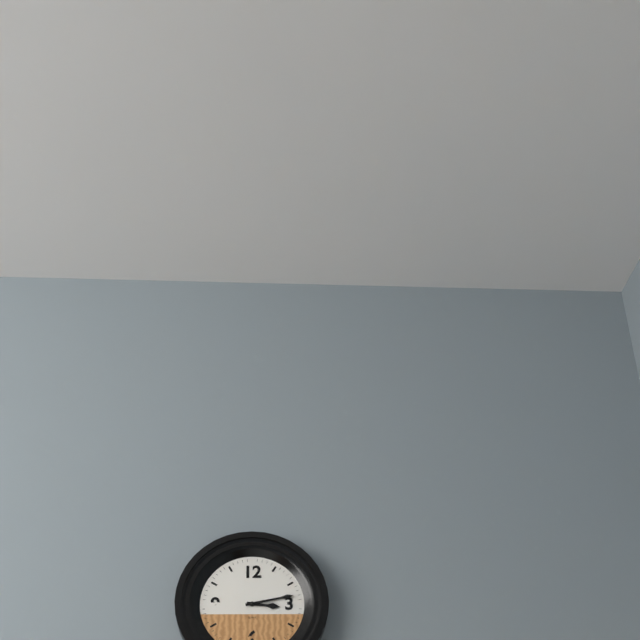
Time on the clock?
3:13
